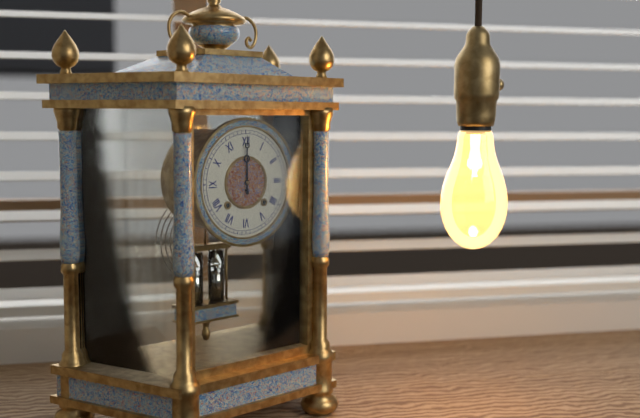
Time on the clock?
12:00
